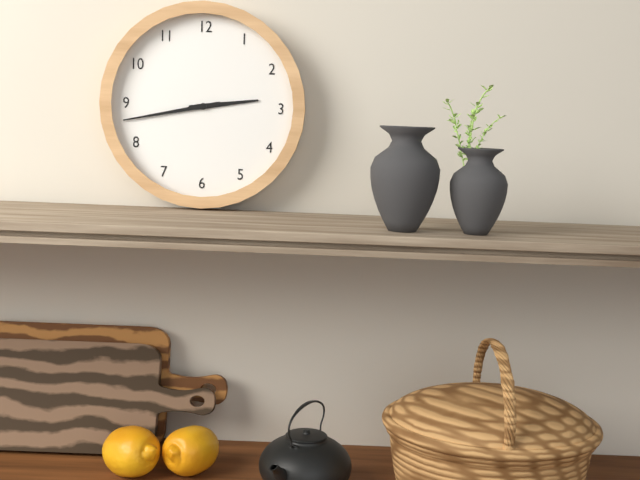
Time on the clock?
2:43
